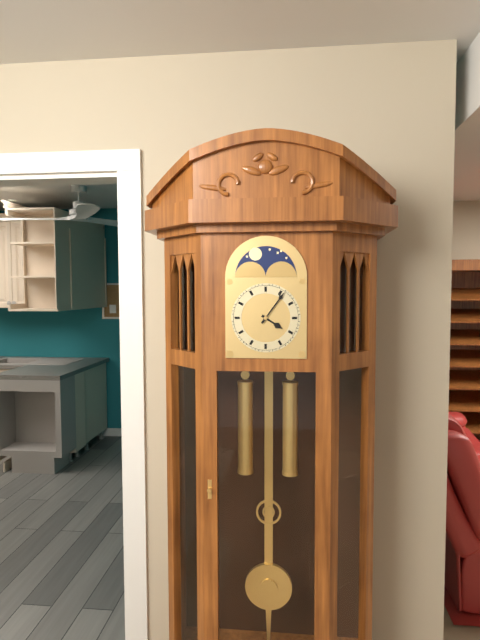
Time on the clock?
4:06
